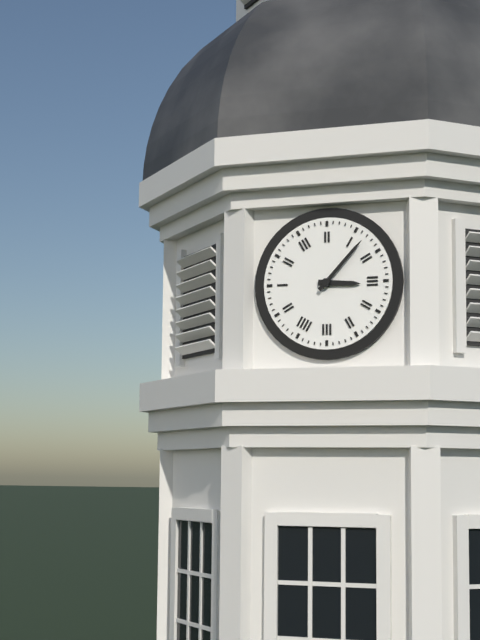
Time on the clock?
3:07
